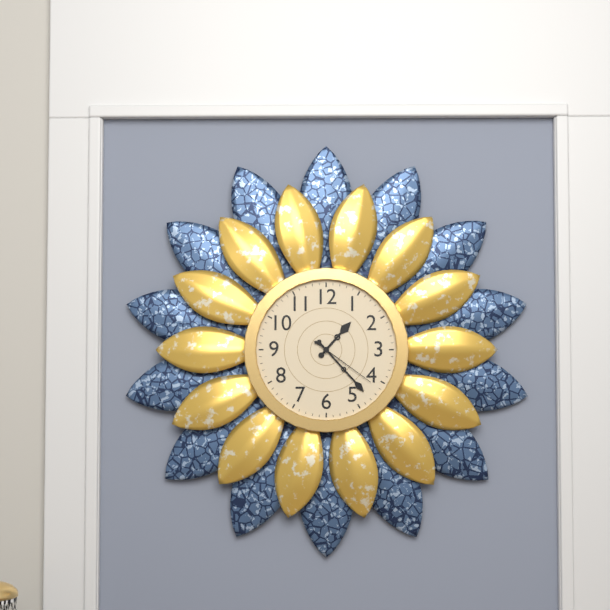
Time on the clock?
1:23:21
